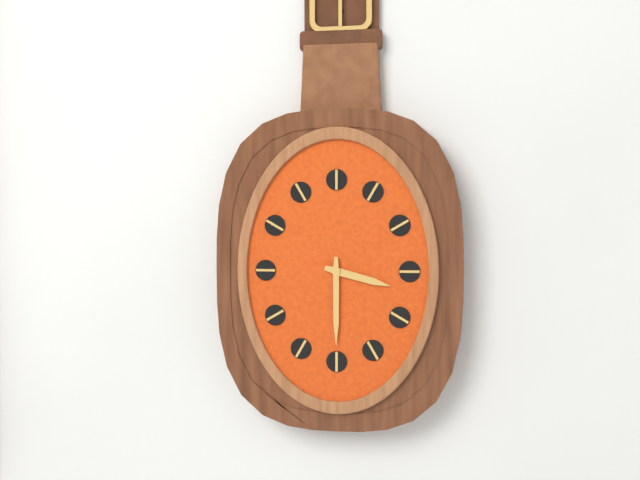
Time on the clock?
3:30
